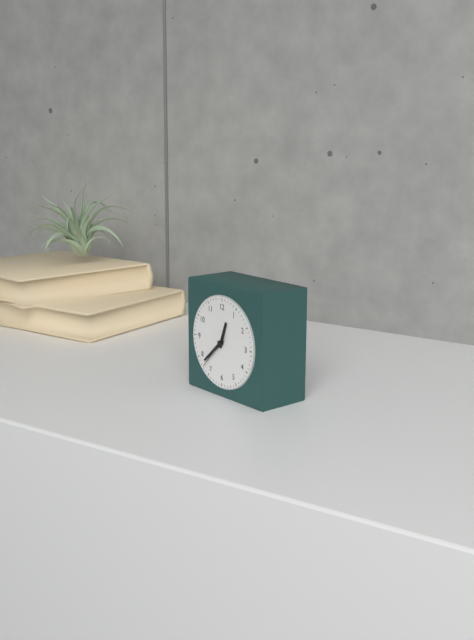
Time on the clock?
12:38
